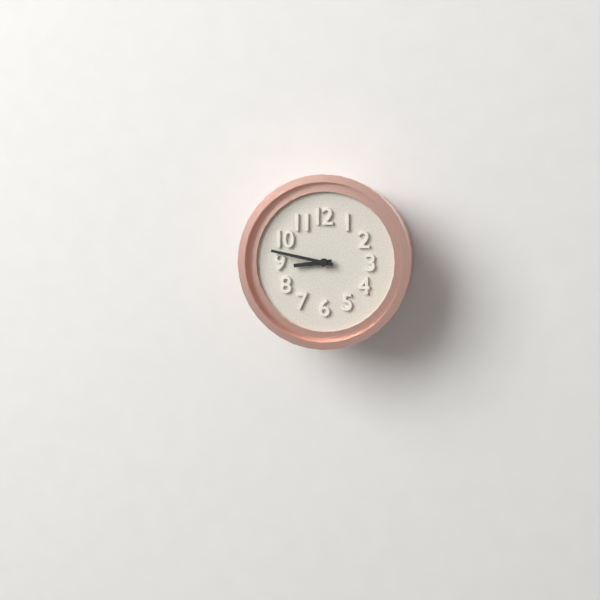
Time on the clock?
8:47
